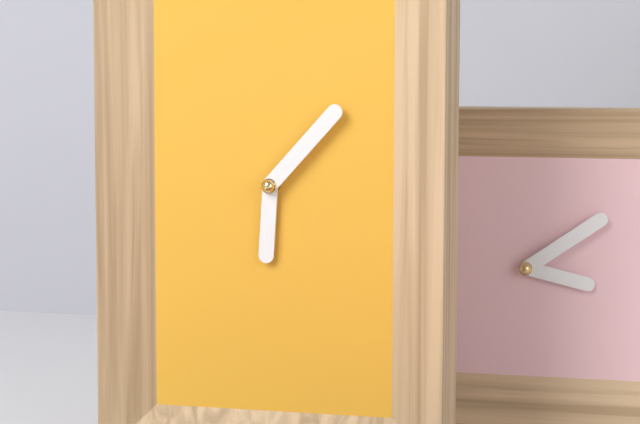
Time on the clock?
6:07
